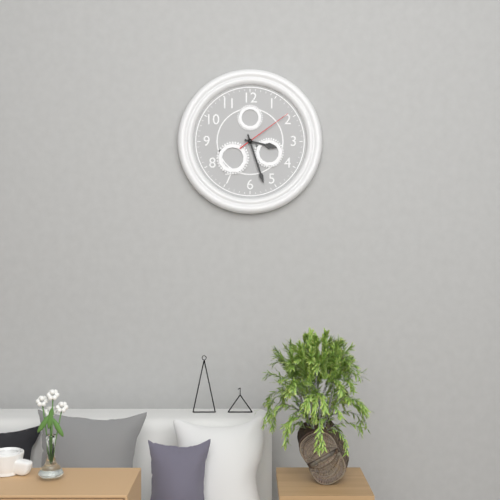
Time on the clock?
3:27:09
